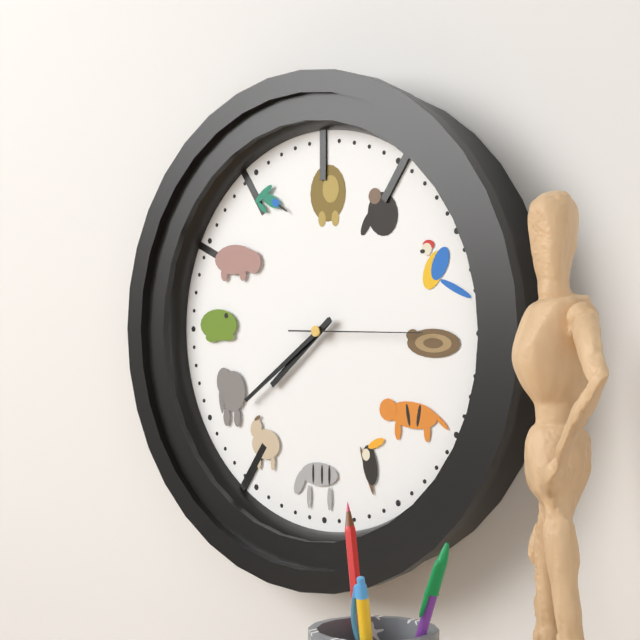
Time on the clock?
7:39:15
